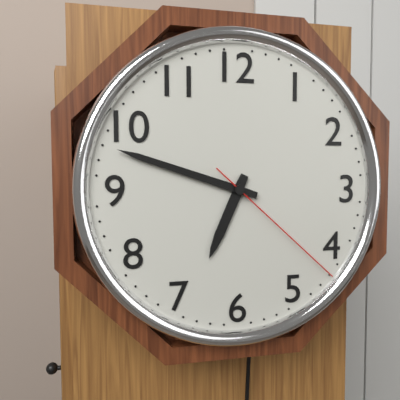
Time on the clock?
6:48:22
